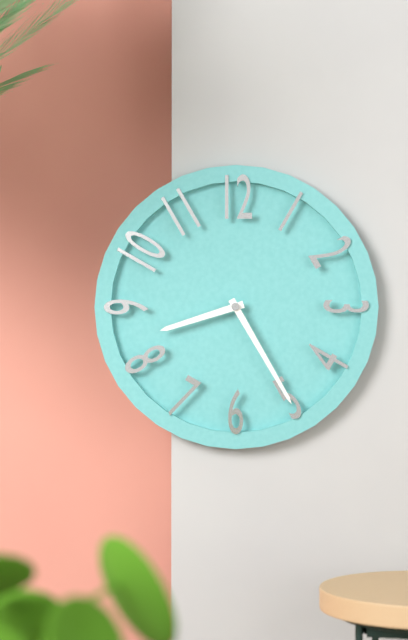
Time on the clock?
8:25
